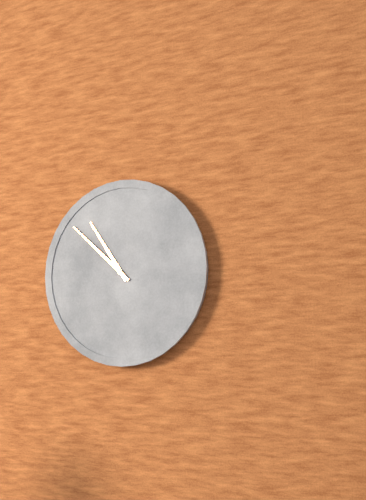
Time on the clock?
10:52
